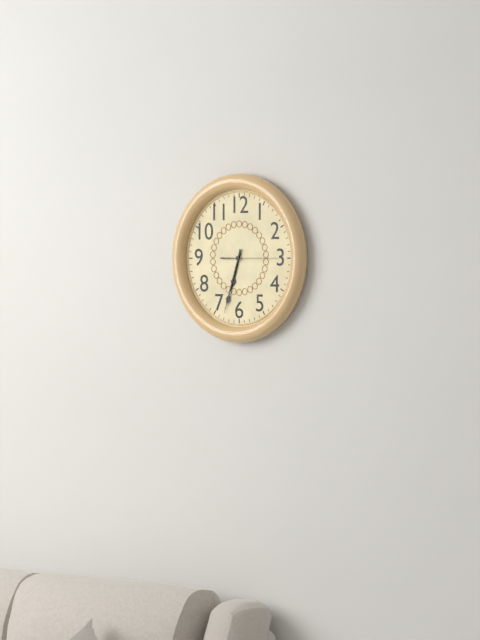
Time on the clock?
6:33
